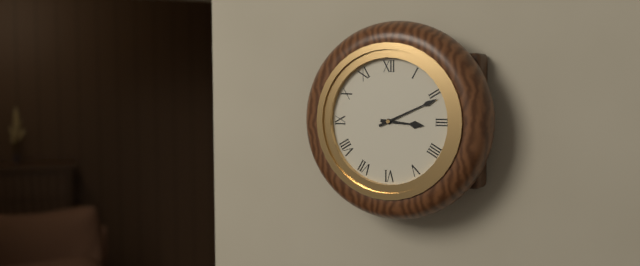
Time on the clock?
3:11
